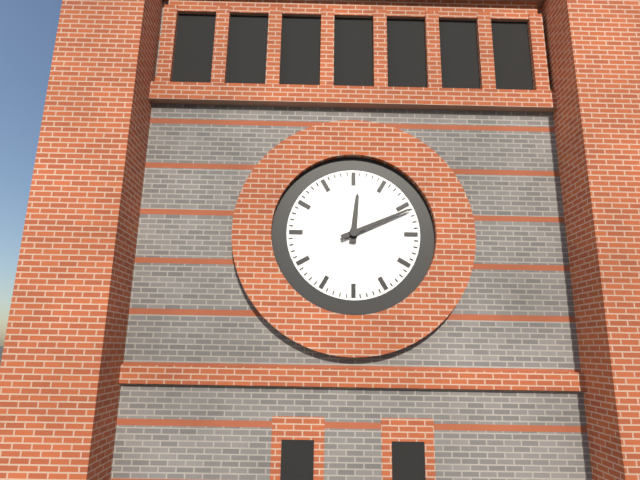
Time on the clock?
12:11
